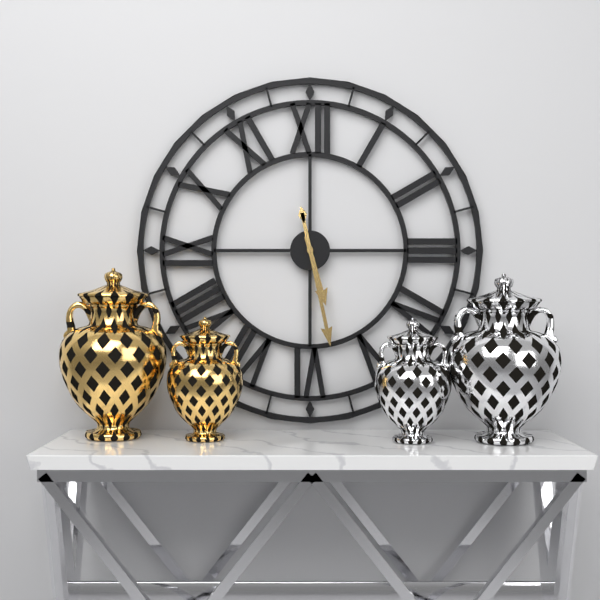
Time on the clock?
5:28
